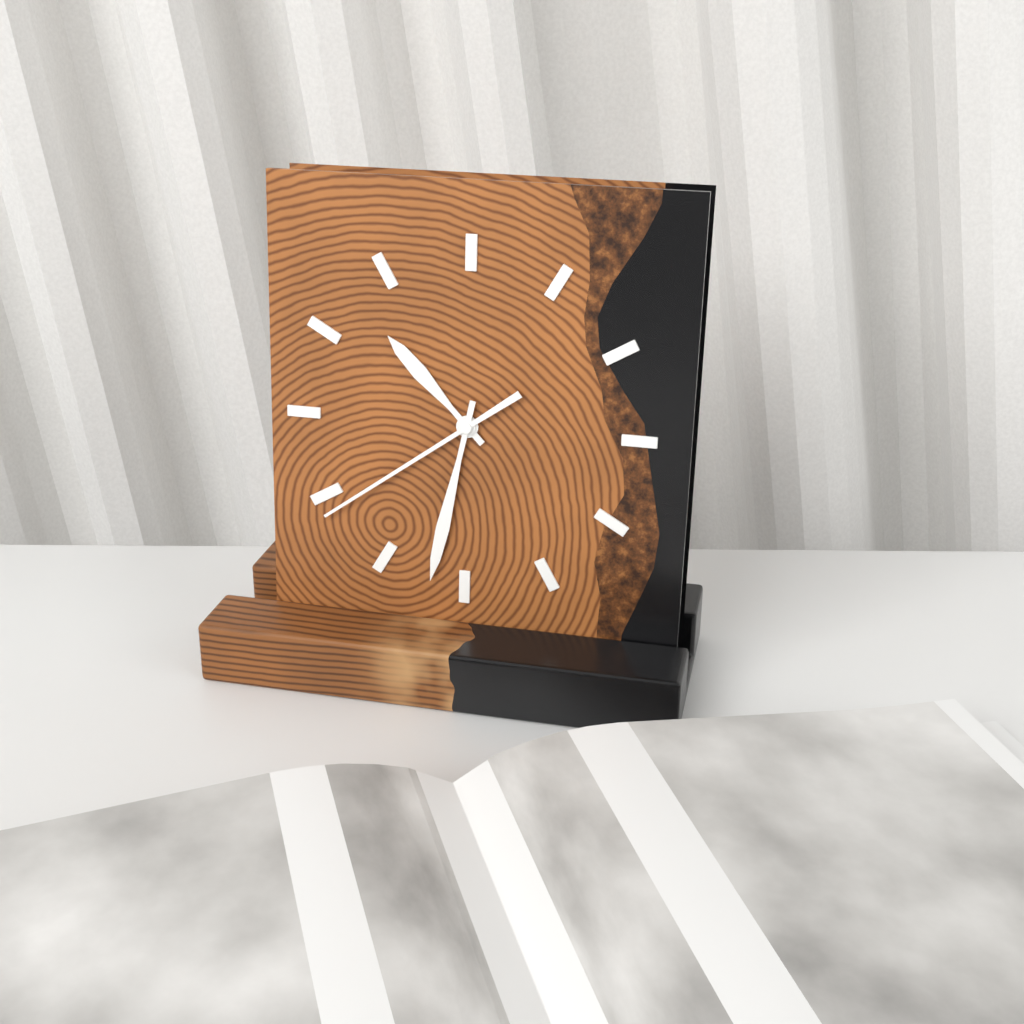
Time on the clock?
10:32:39
